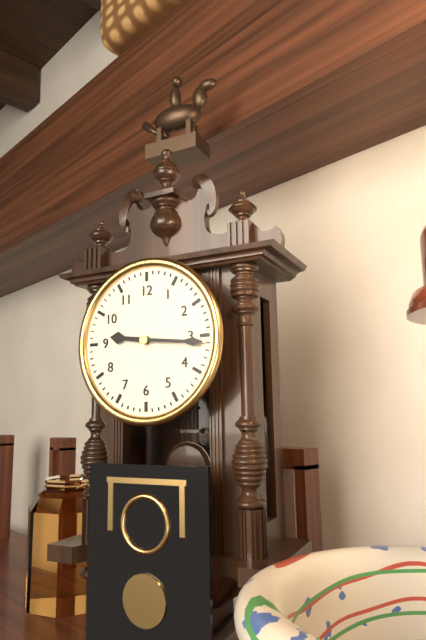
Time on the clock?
9:16
